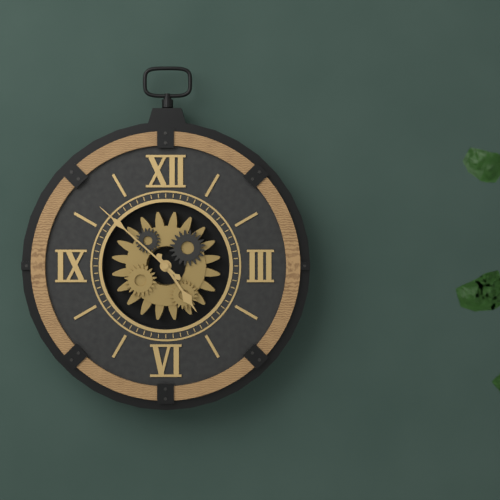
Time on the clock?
4:52
